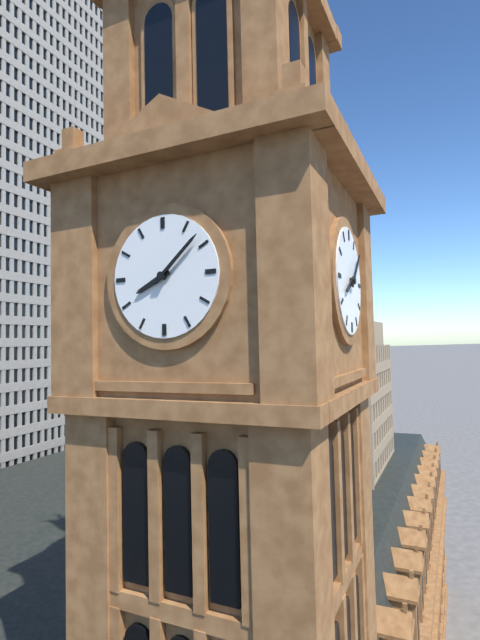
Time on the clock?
8:08
